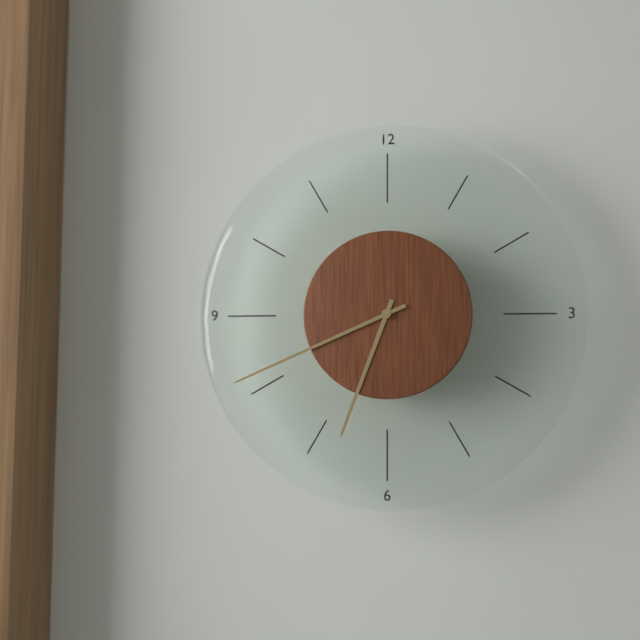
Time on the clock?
6:41
